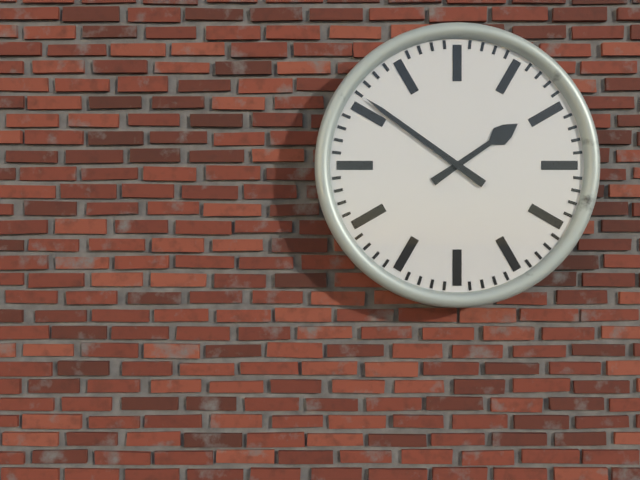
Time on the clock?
1:51
